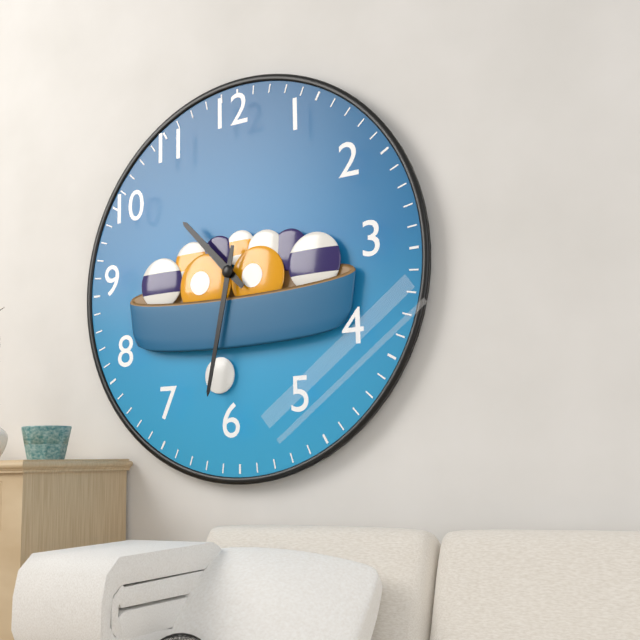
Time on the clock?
10:32
